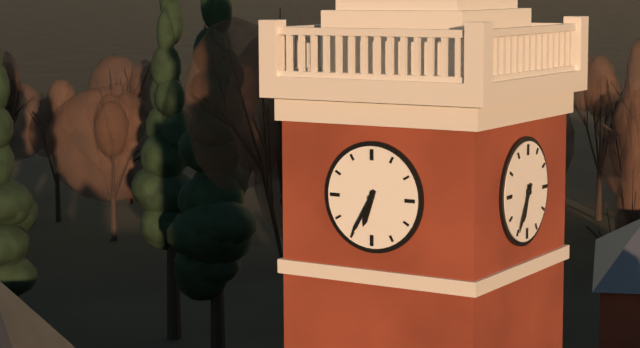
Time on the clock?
6:35
